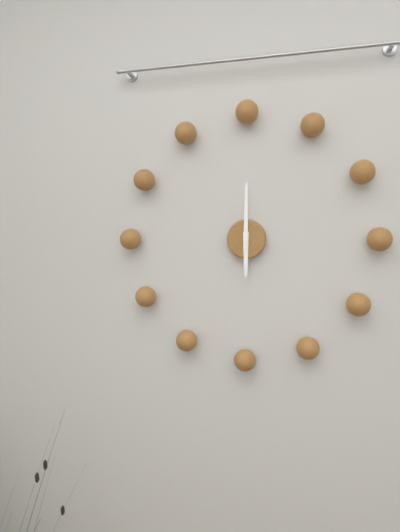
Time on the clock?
6:00
